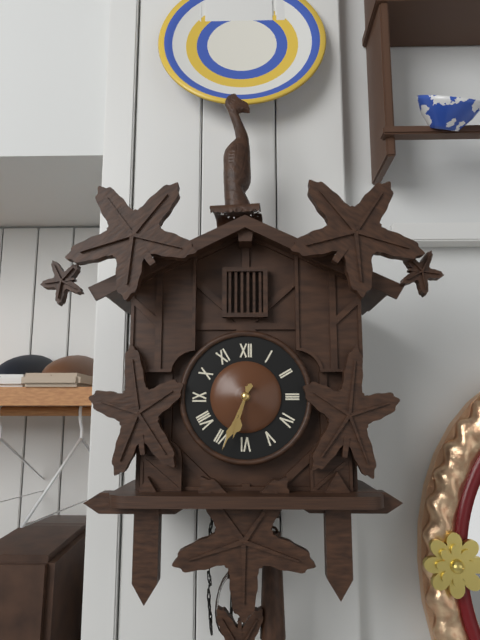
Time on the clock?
6:34
